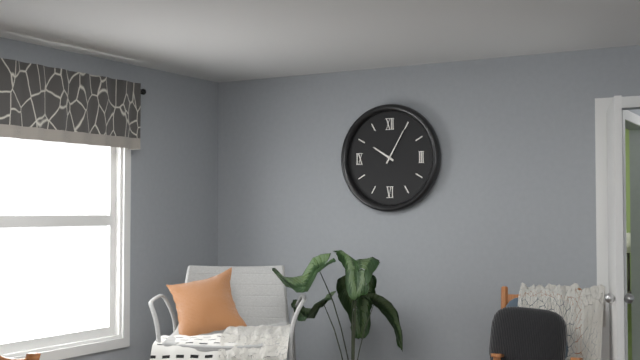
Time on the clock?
10:05
